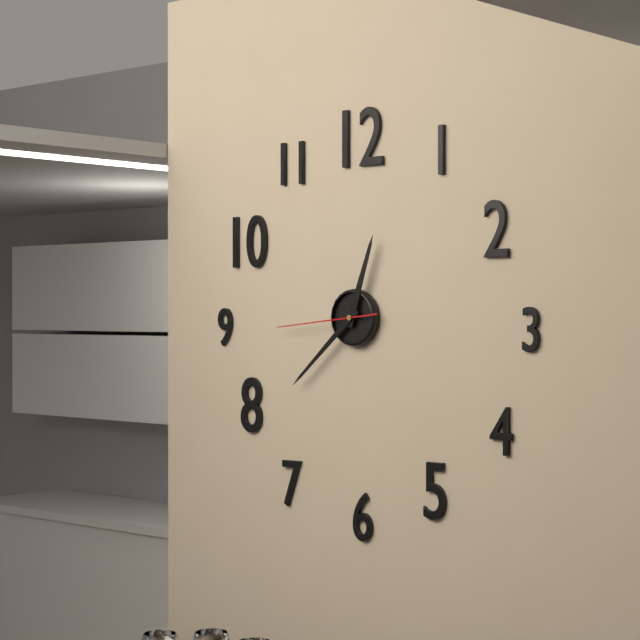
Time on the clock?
12:38:44
